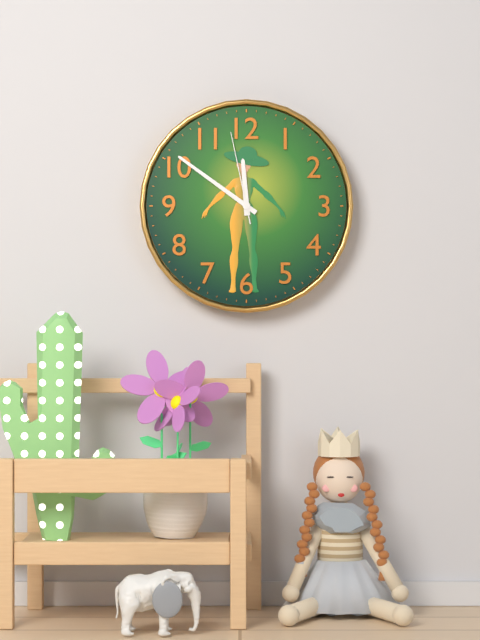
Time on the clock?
11:51:58
